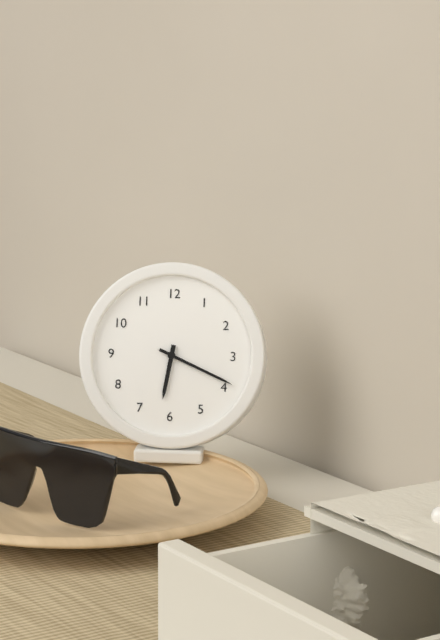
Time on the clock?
6:19
